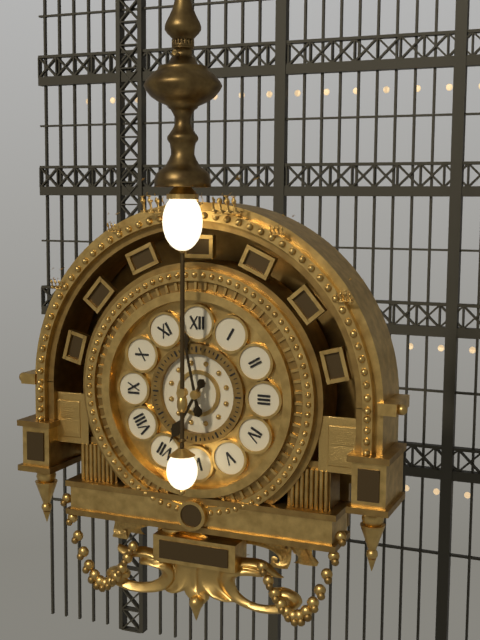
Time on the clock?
6:58
